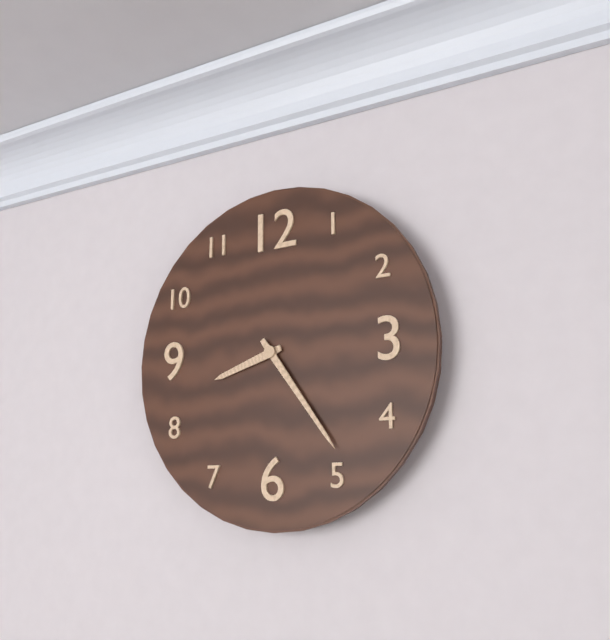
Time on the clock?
8:24
